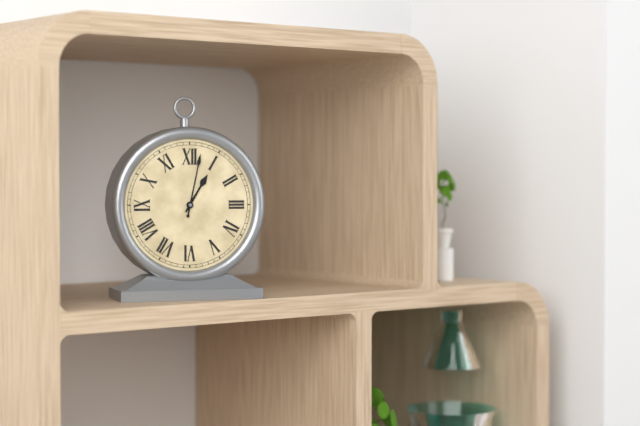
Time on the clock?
1:02
